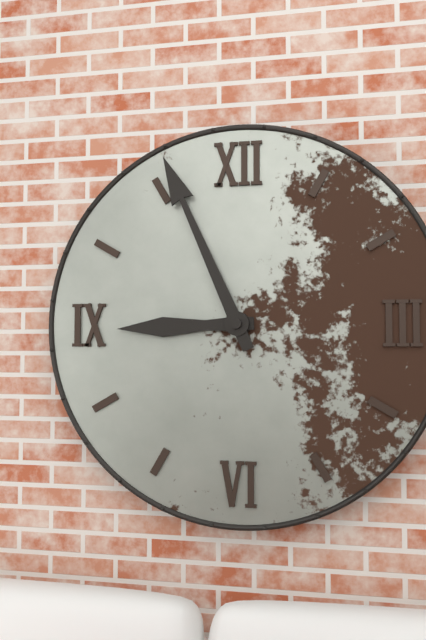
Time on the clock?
8:56
